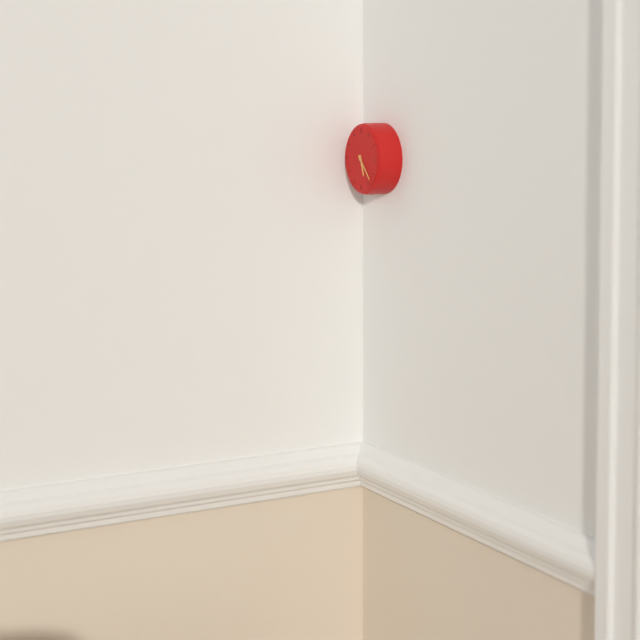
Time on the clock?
5:23
